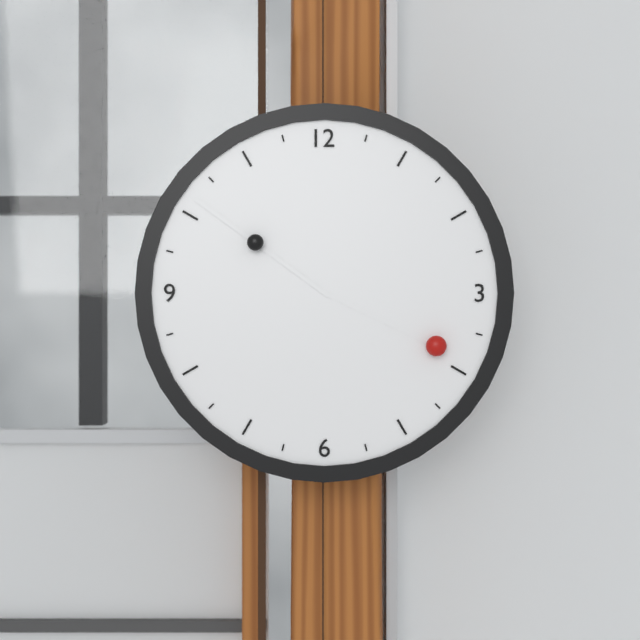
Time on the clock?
3:51
